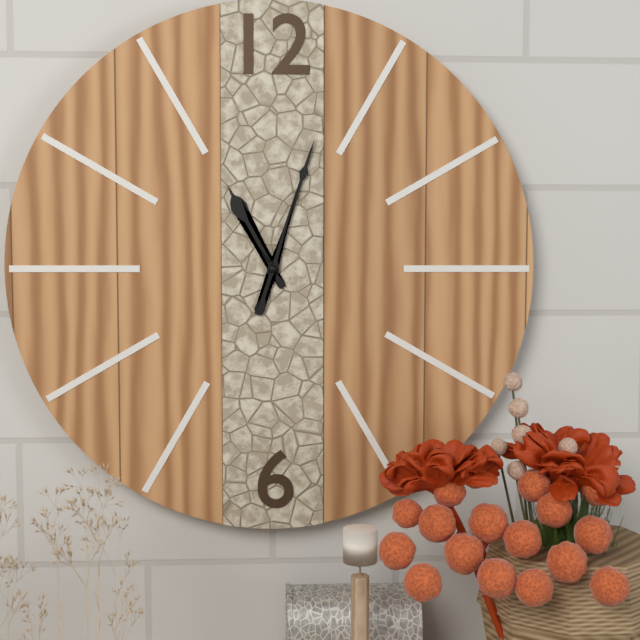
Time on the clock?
11:03
